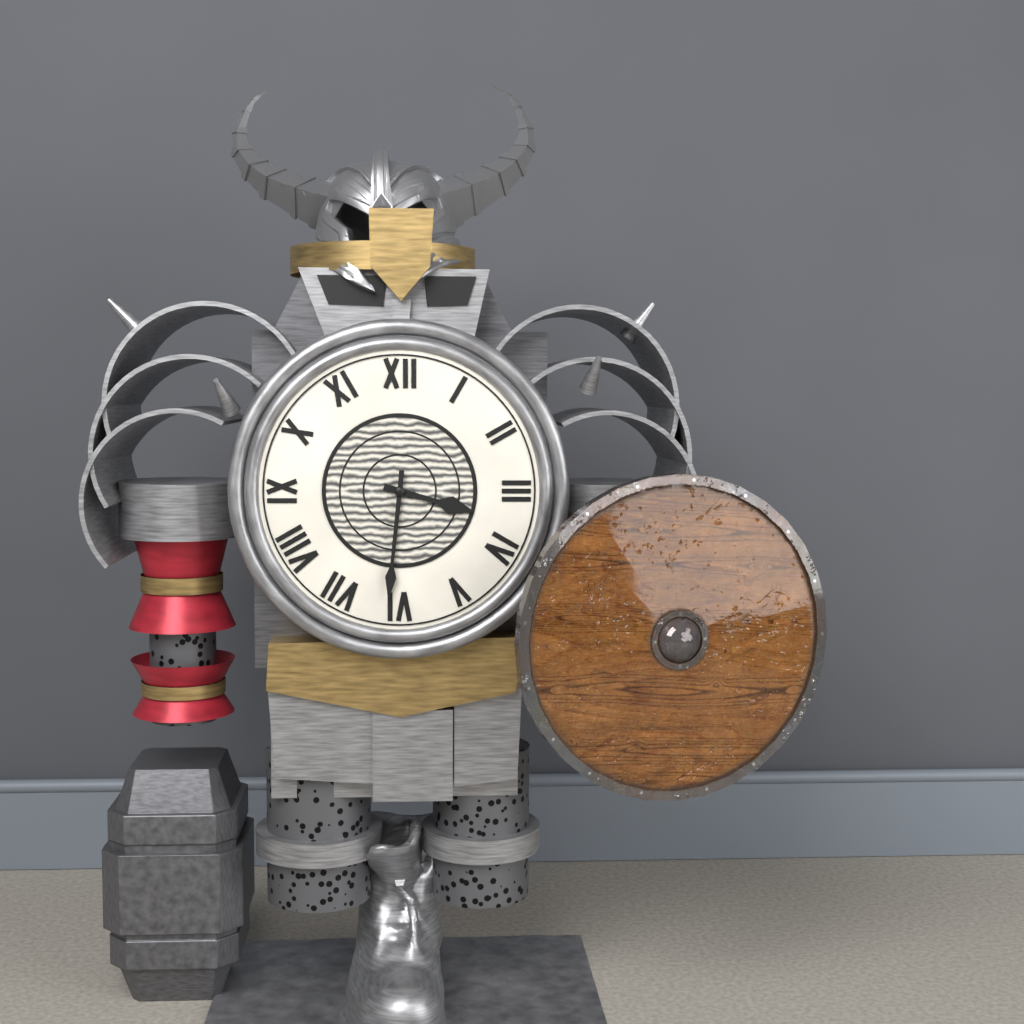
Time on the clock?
3:31
